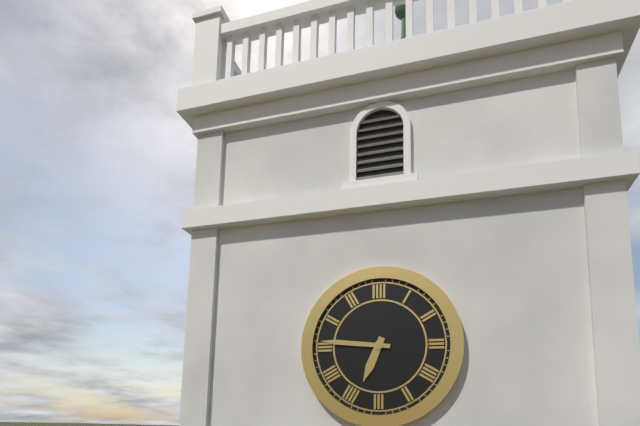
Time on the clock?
6:46
